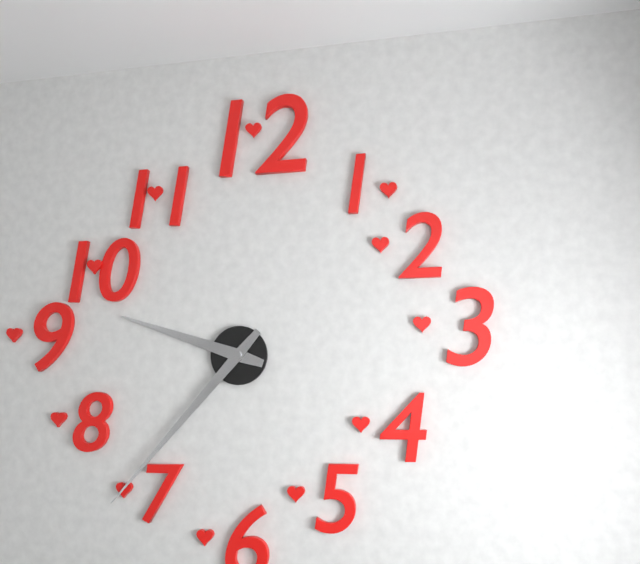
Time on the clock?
9:37
